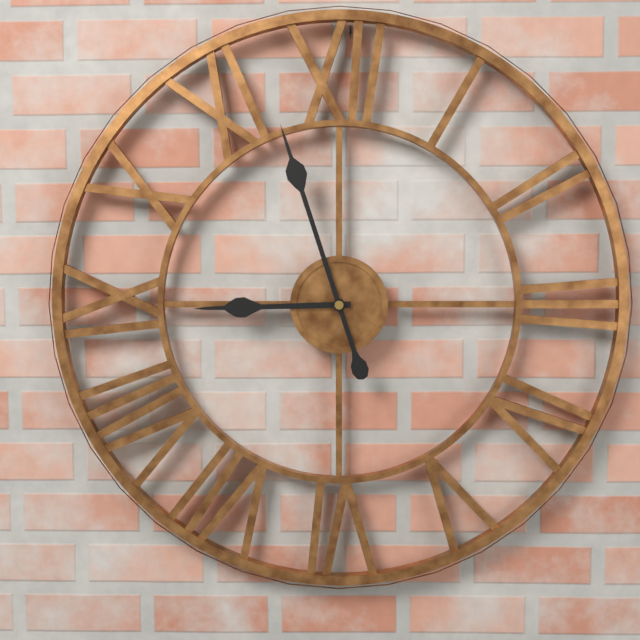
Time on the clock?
8:57
